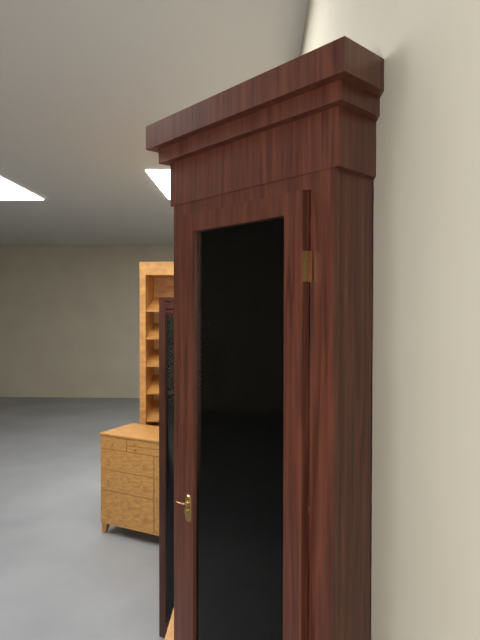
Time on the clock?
12:23
